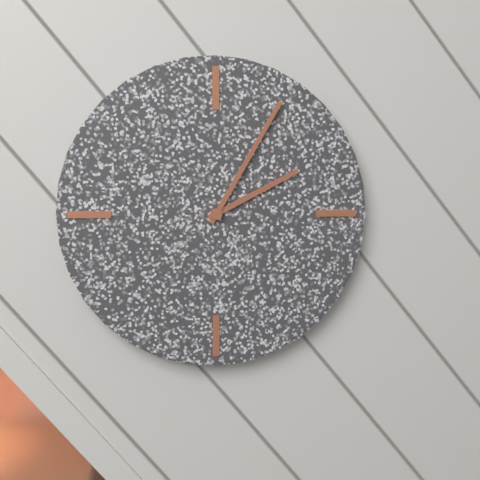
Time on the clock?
2:05
